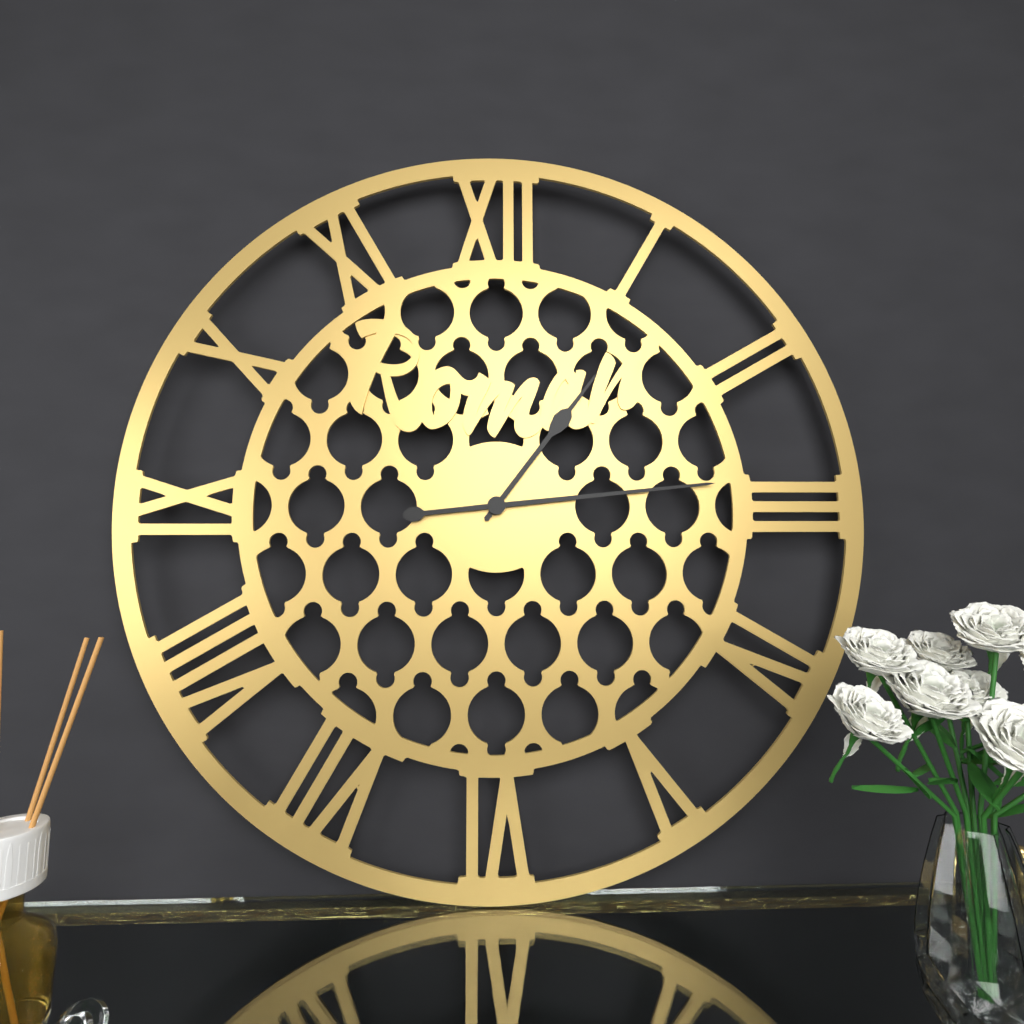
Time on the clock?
1:14
